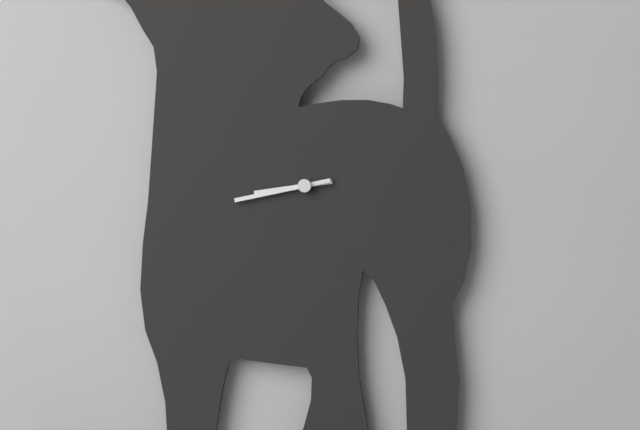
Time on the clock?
8:43
